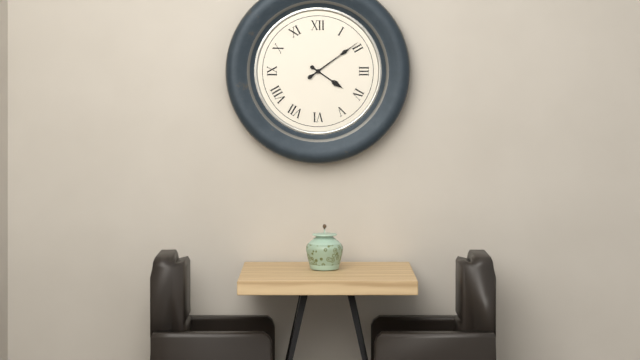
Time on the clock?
4:09
